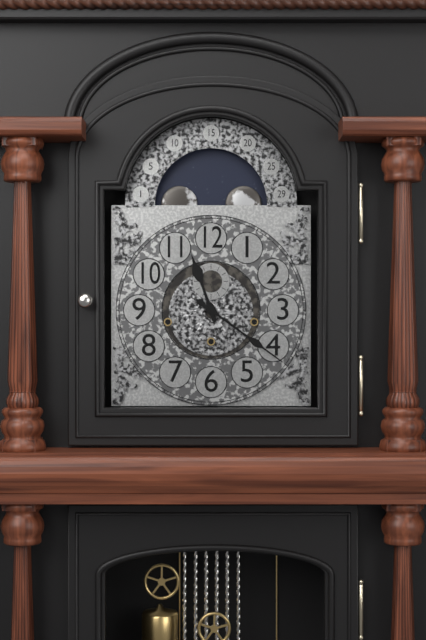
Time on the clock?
11:21
